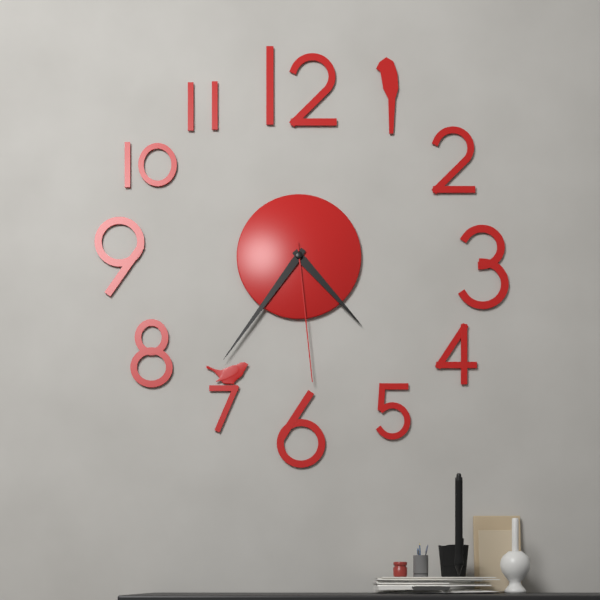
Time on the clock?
4:36:29
